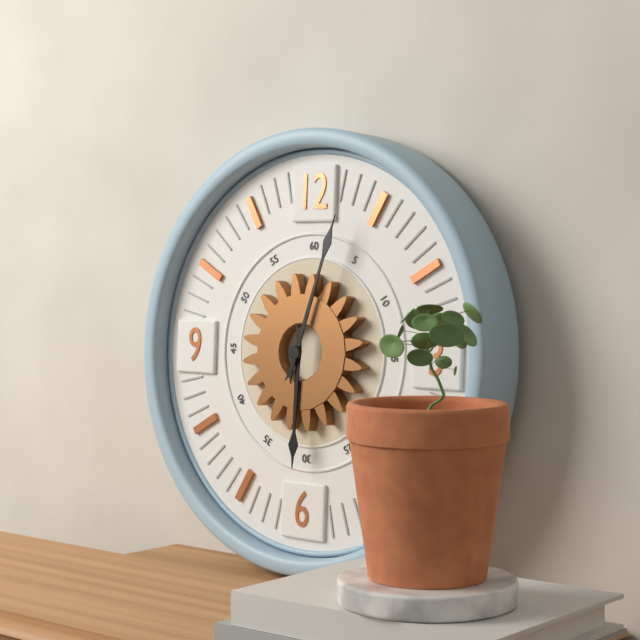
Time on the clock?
6:03
